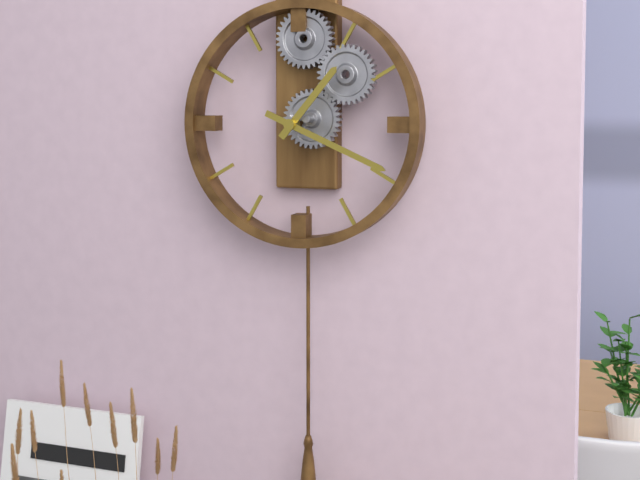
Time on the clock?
1:19
